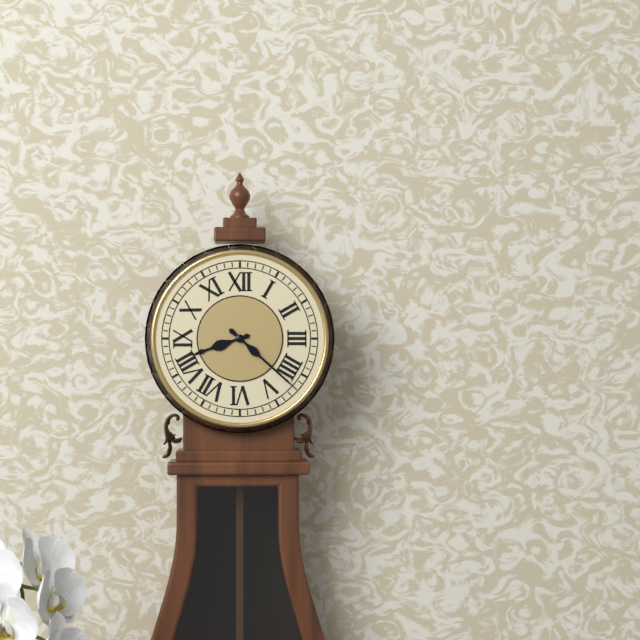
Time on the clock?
8:22
